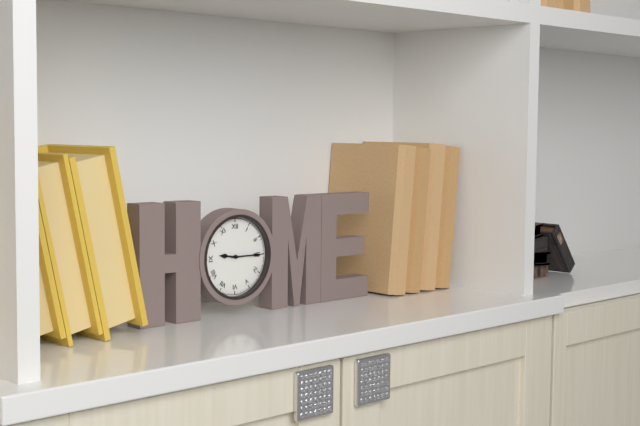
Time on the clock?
9:15
